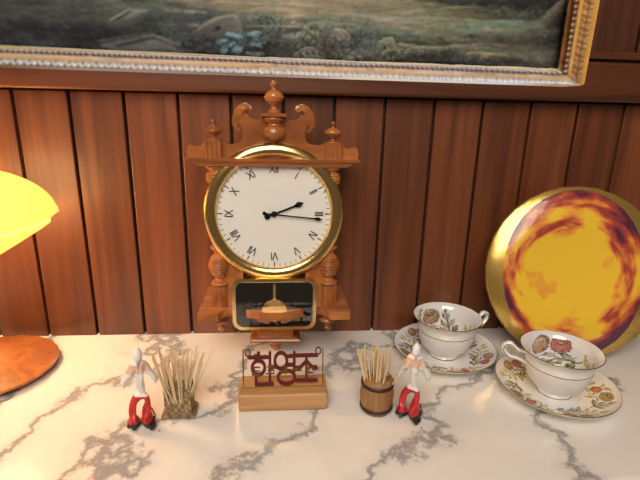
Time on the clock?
2:16
